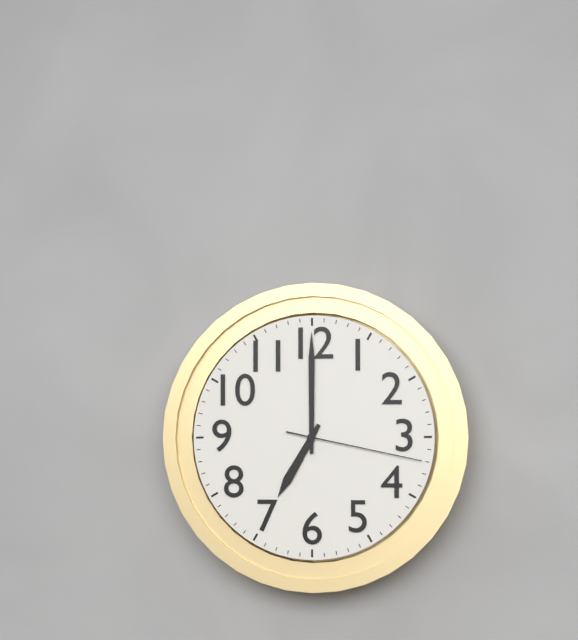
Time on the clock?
7:00:17
